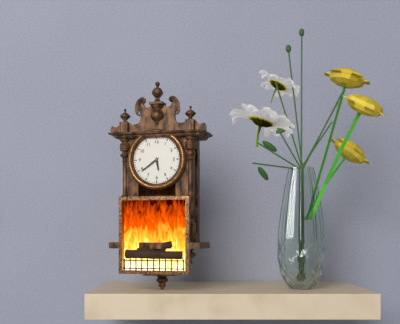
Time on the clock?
5:39
